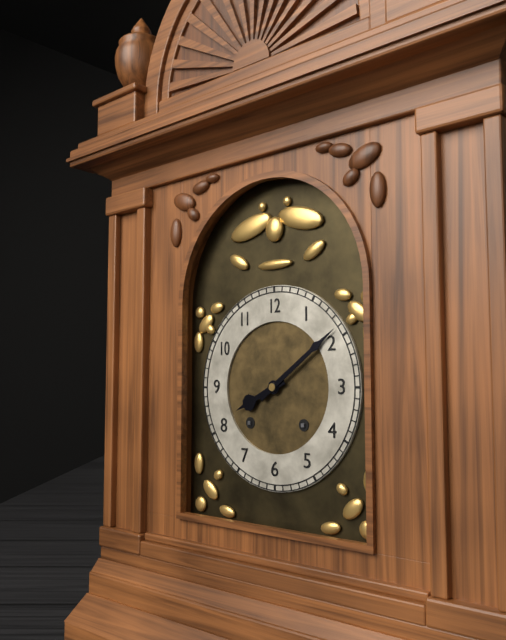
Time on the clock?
8:09
